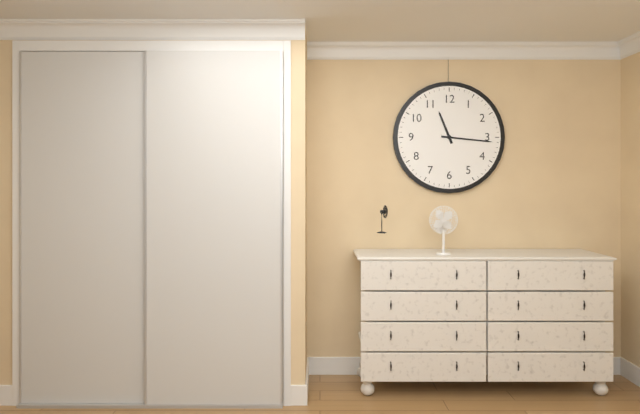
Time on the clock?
11:16
